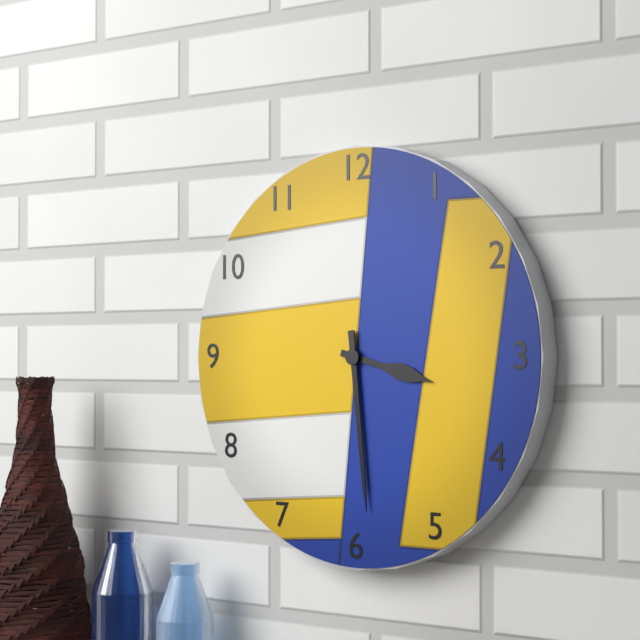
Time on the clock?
3:29
